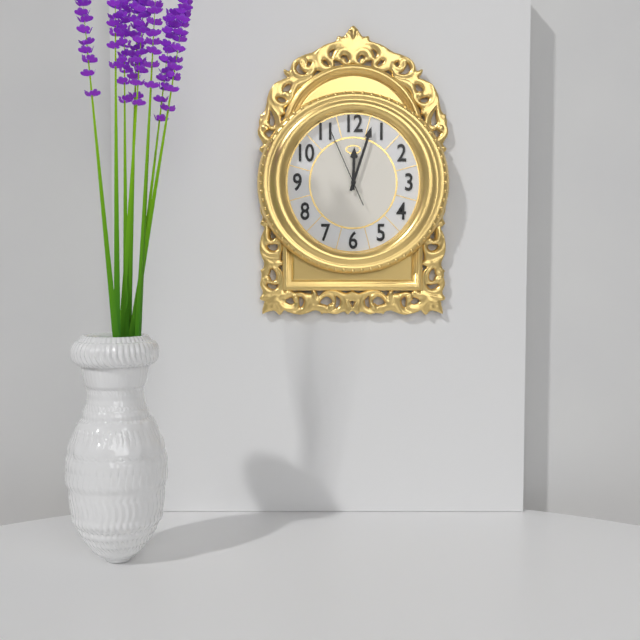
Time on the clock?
12:03:56
